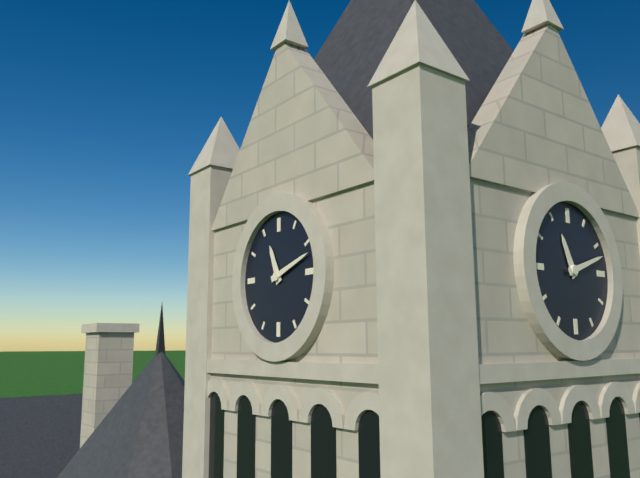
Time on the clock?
11:12
